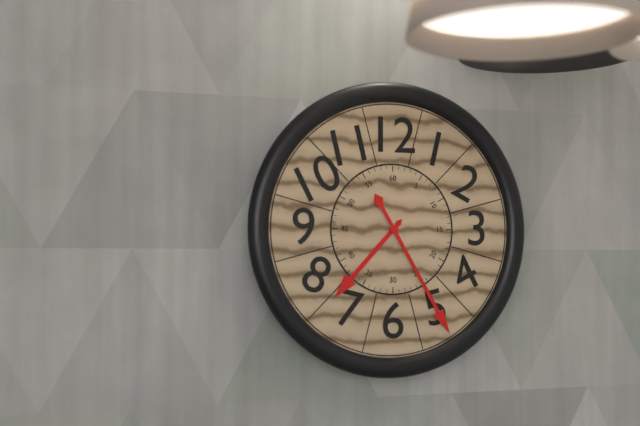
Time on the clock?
7:25
